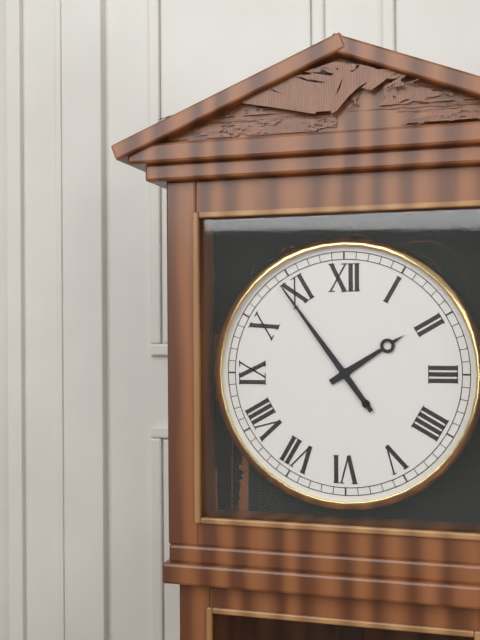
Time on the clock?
1:54
